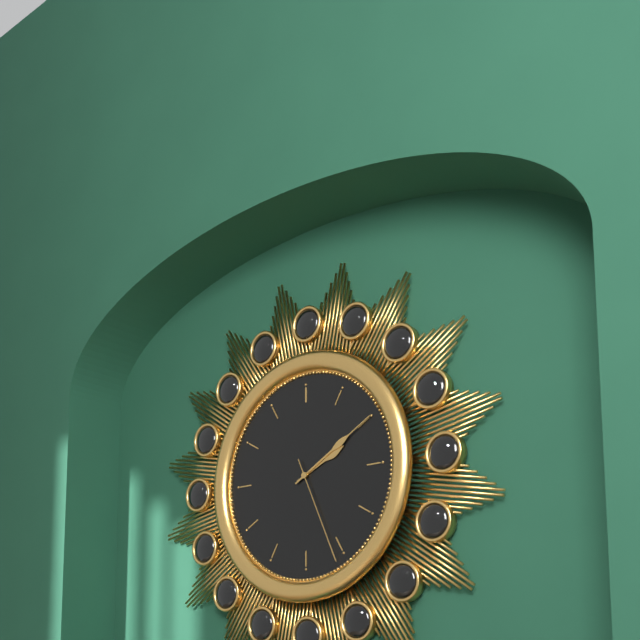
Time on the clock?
2:10:26
